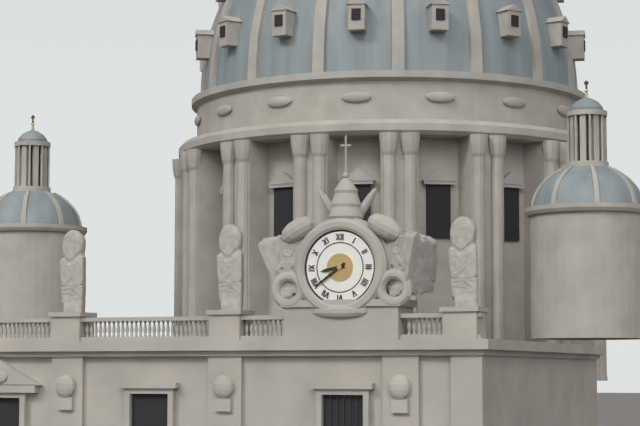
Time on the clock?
8:39
